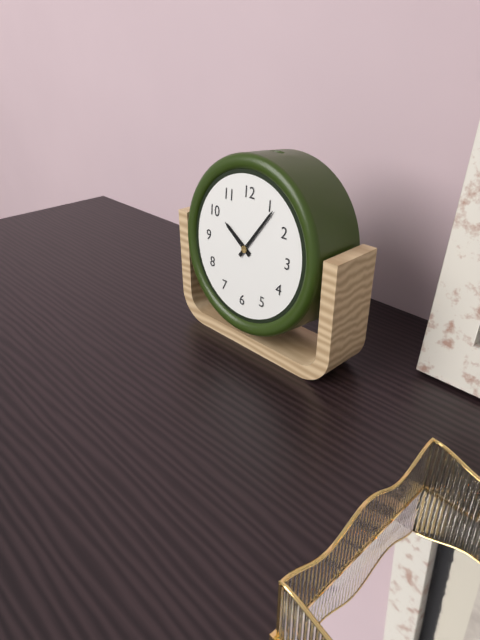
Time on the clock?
10:06
